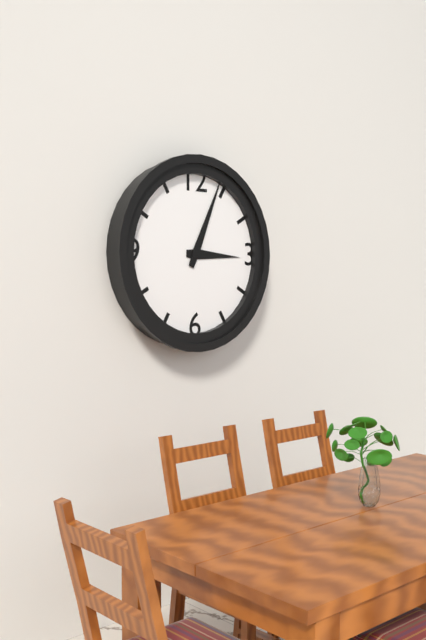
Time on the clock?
3:04
